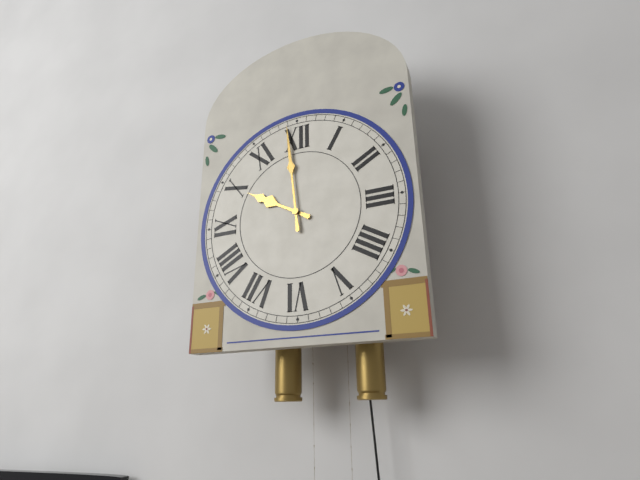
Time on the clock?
9:59
